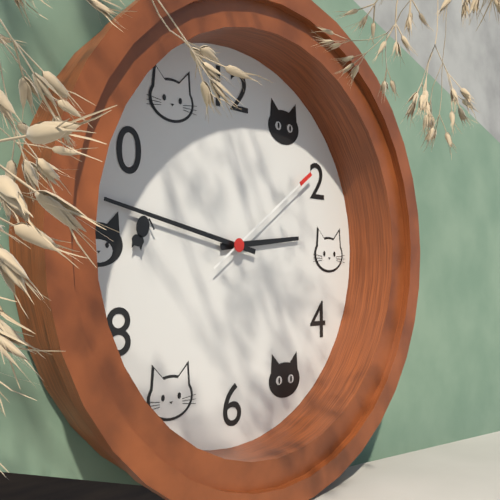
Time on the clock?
2:47:09
